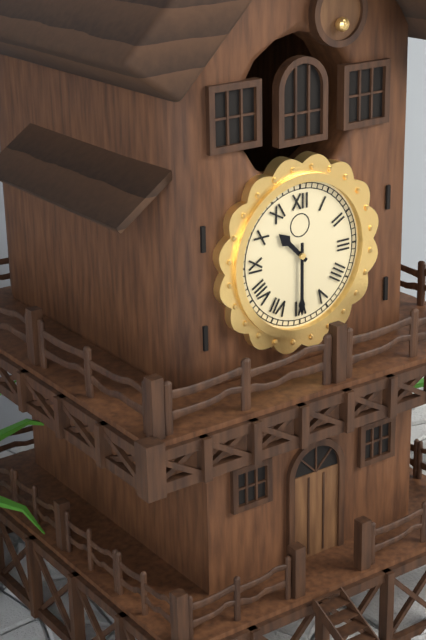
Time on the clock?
10:30
